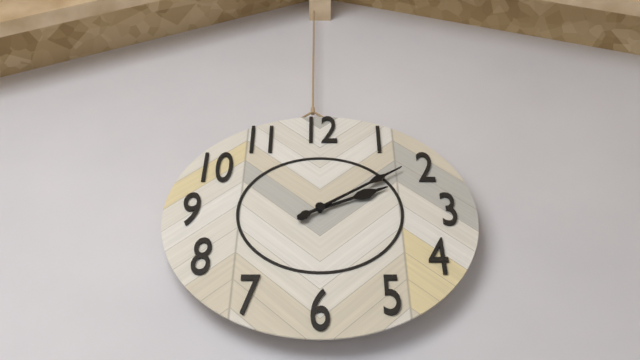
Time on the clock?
2:09
